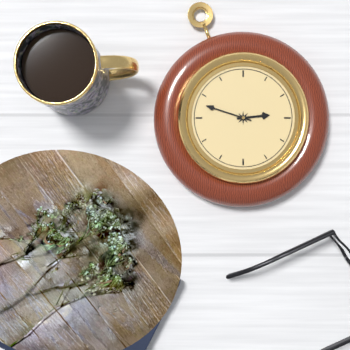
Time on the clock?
2:48
